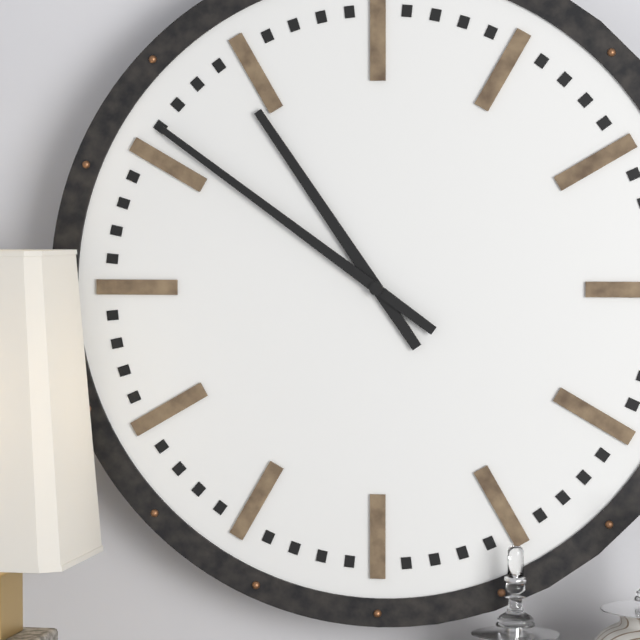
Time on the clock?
10:51
